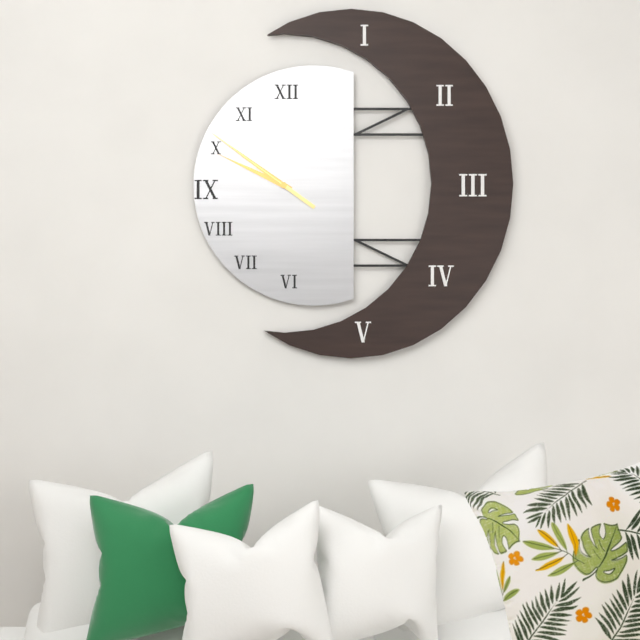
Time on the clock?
9:51:51
